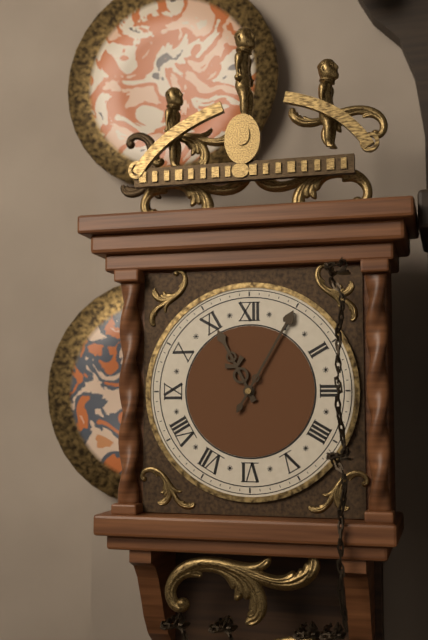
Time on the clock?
11:05
